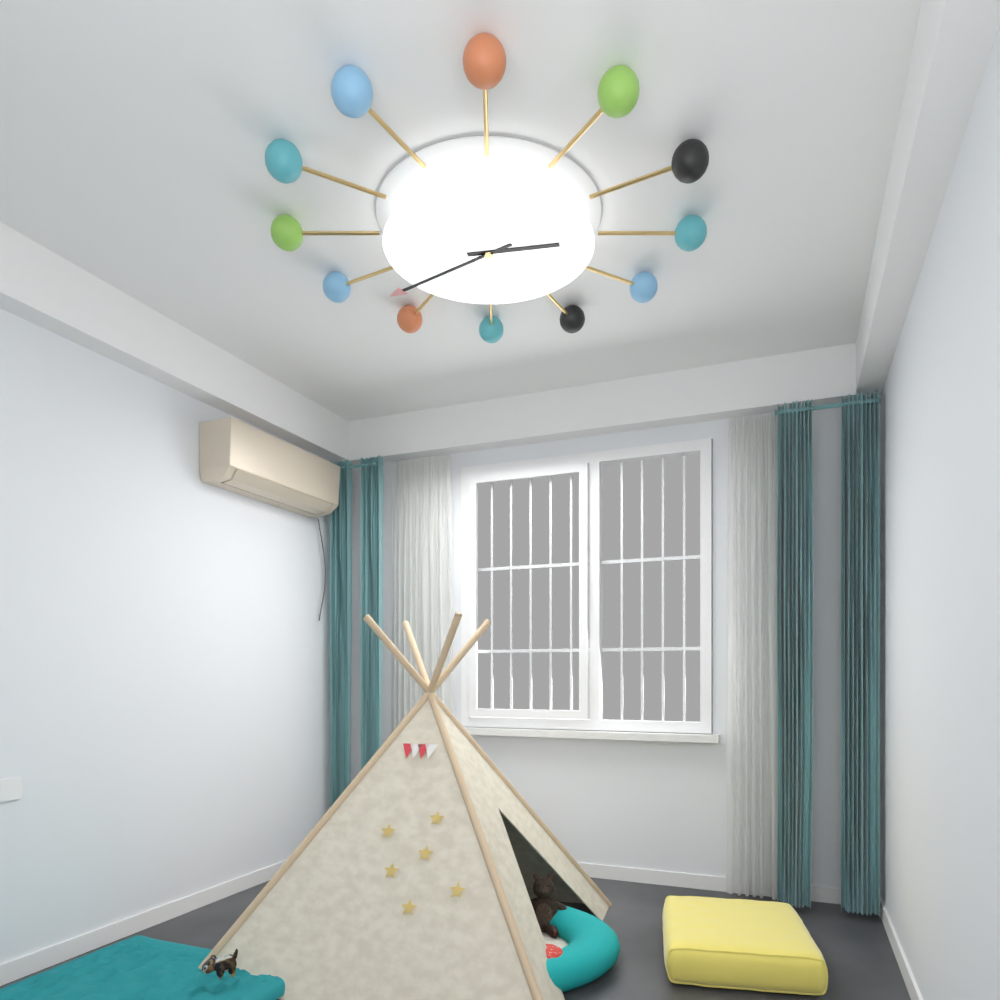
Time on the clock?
2:39
